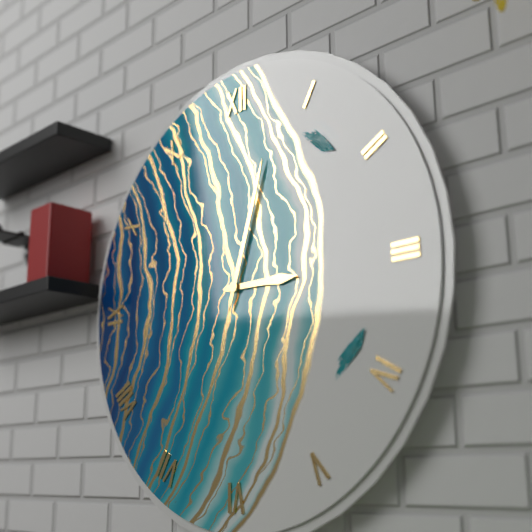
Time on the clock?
3:03
